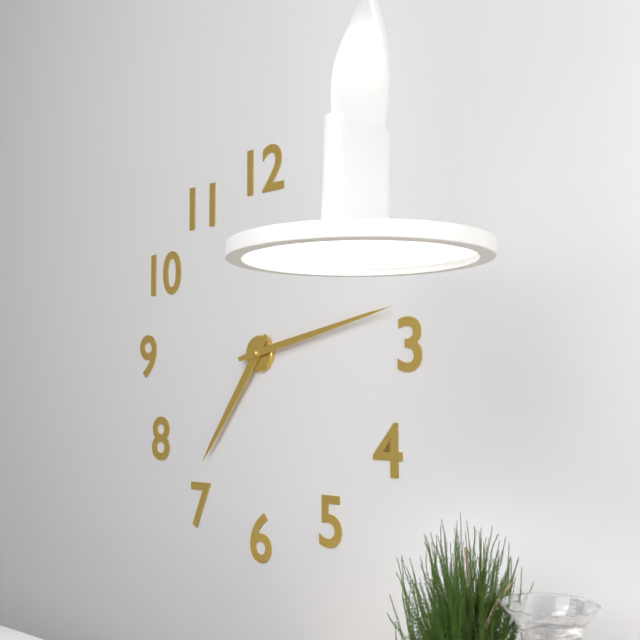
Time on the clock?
7:13
